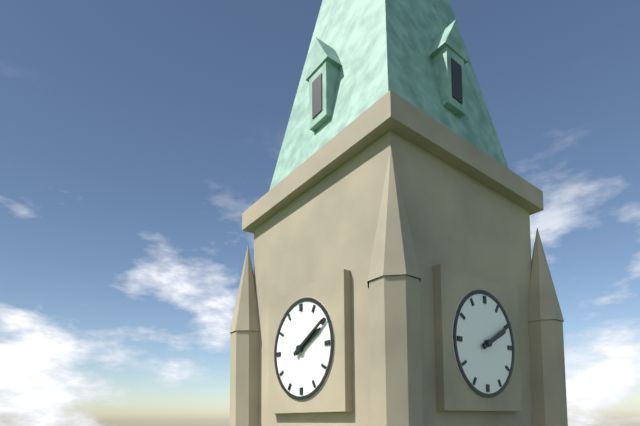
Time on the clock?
2:10
